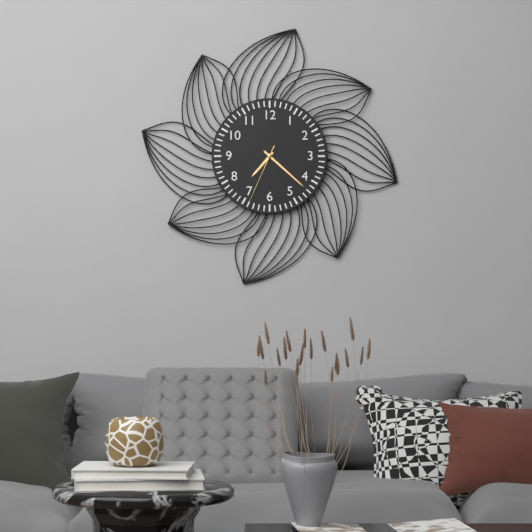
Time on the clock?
7:22:34
